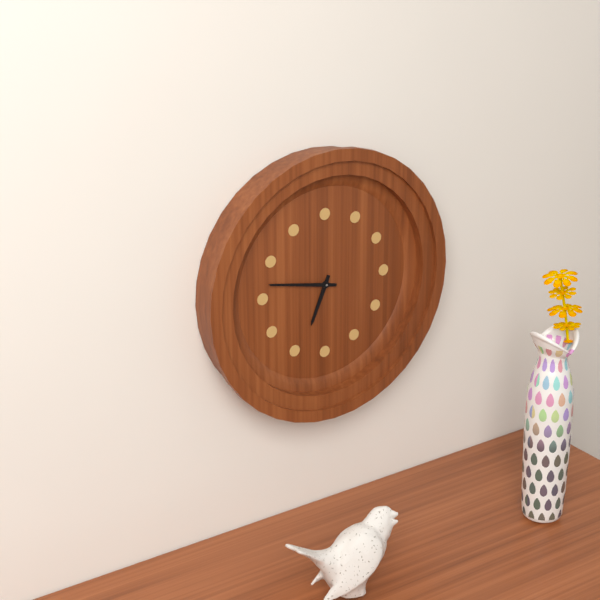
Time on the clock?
6:47
